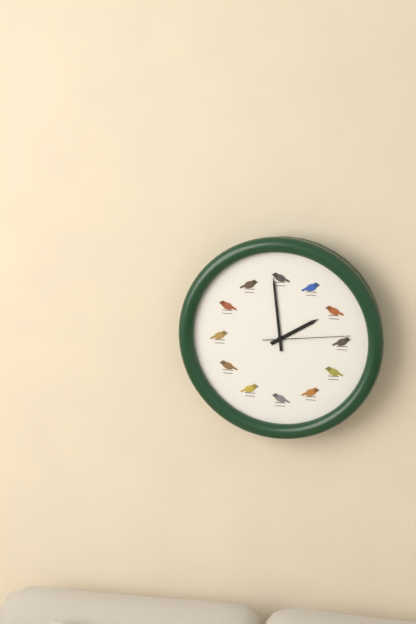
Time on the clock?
1:59:14
